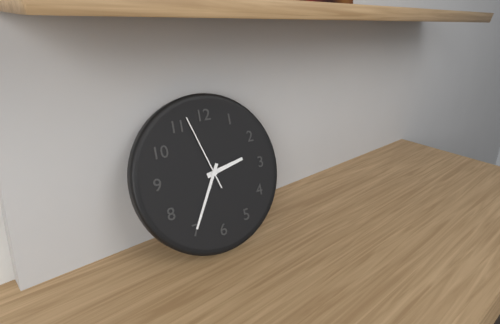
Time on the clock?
2:35:57
